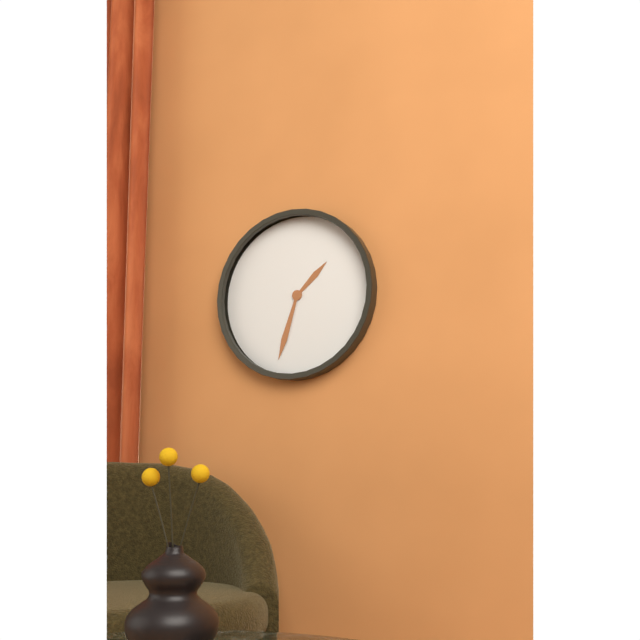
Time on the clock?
1:33
